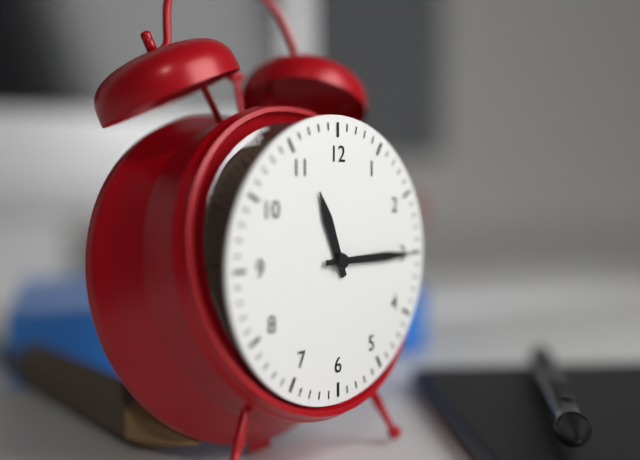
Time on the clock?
11:15
